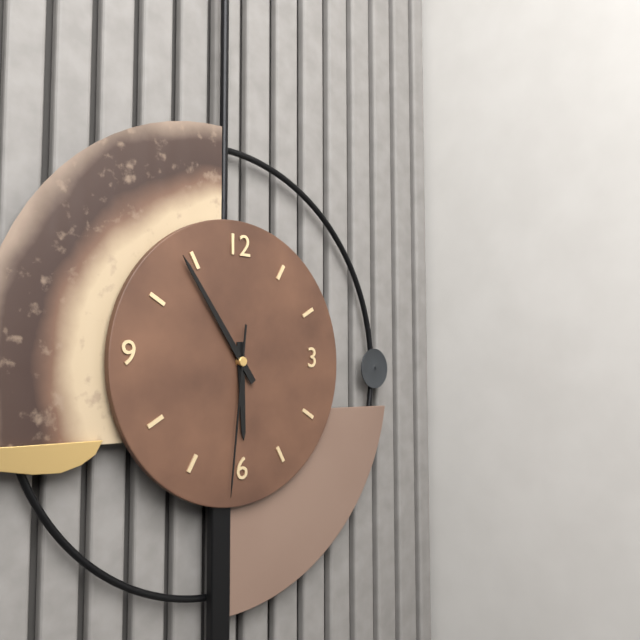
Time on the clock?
5:54:31
